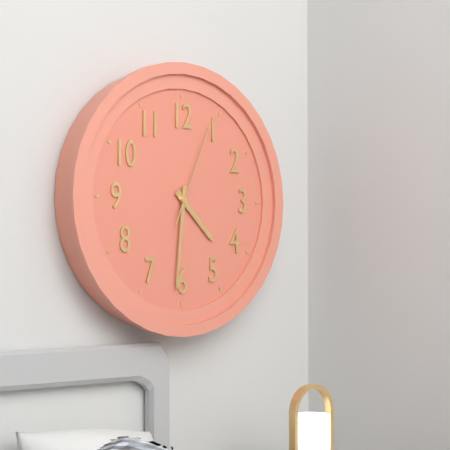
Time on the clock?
4:31:04
